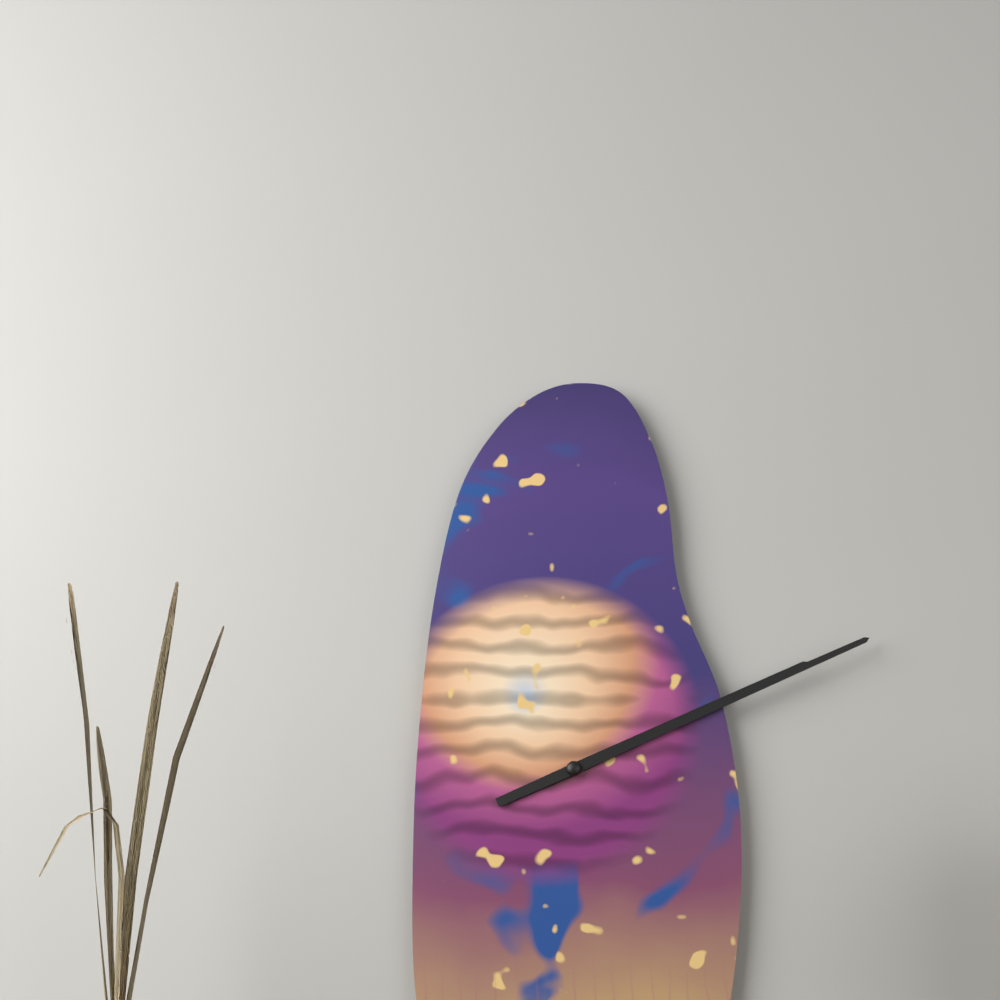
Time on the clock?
2:11
